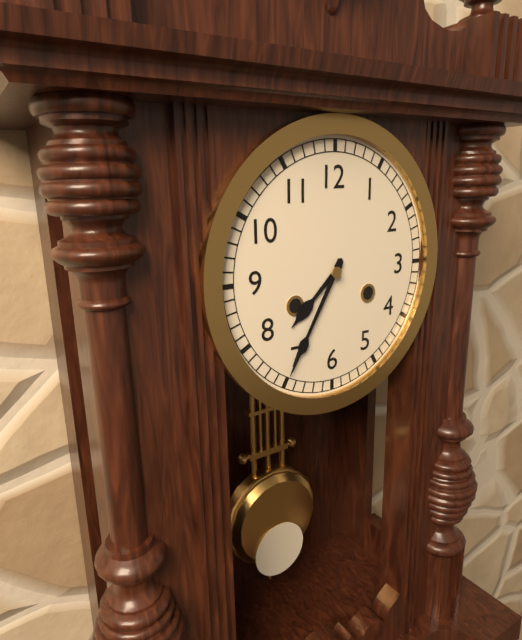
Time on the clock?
7:35
